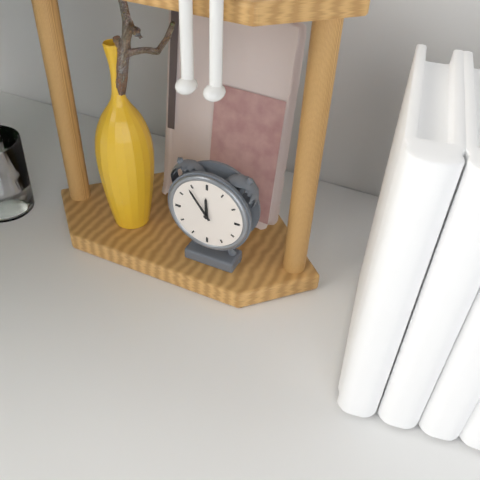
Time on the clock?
11:54
